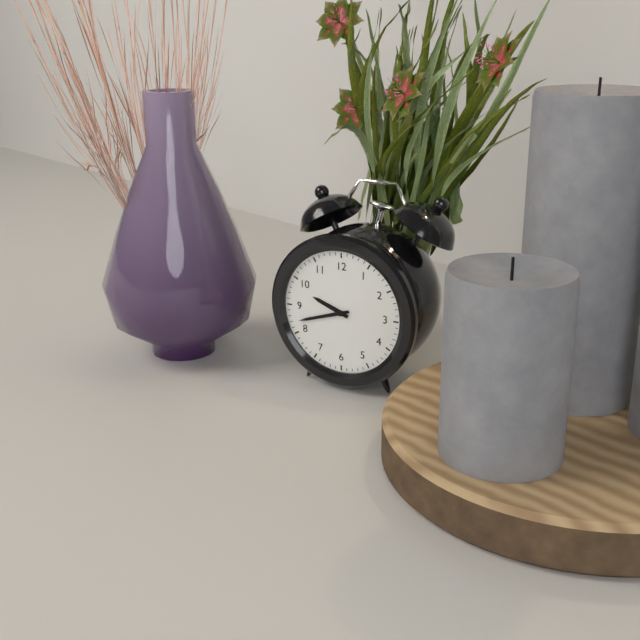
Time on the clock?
9:42
